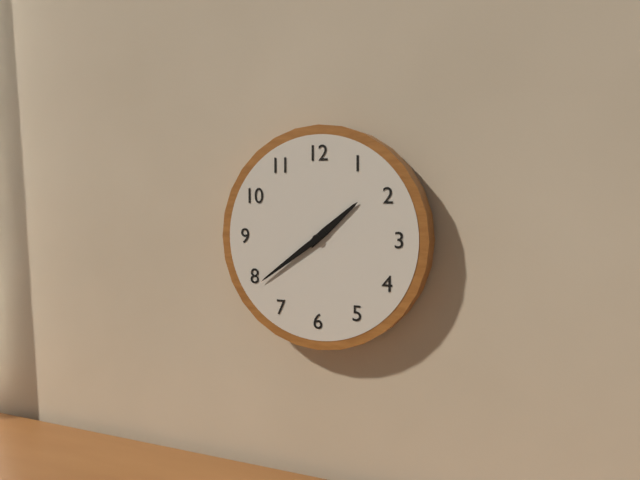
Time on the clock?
1:39
